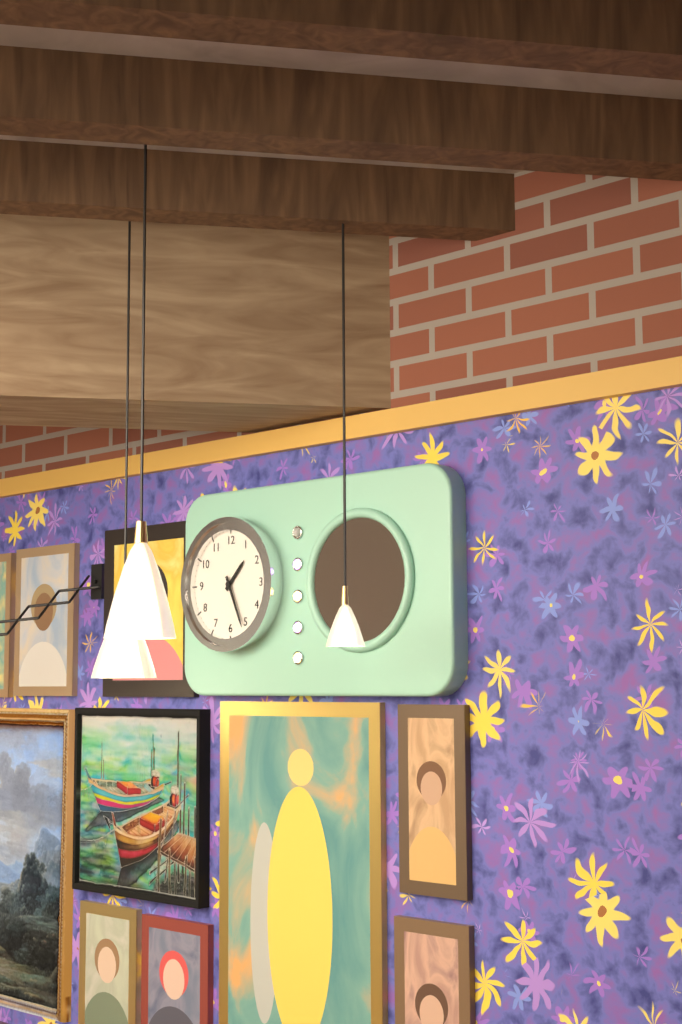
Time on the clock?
1:26
